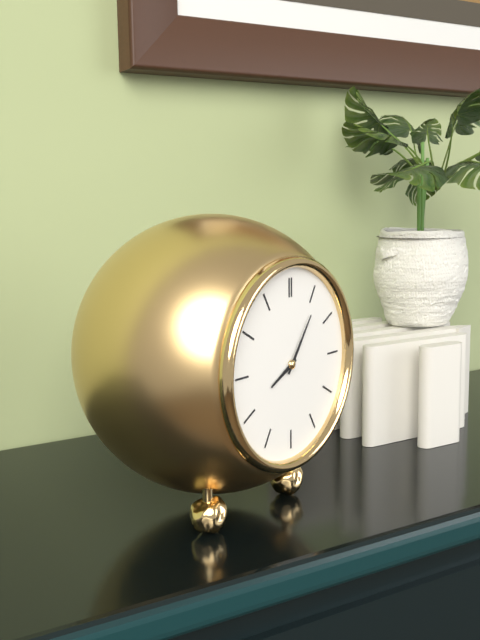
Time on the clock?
8:06
